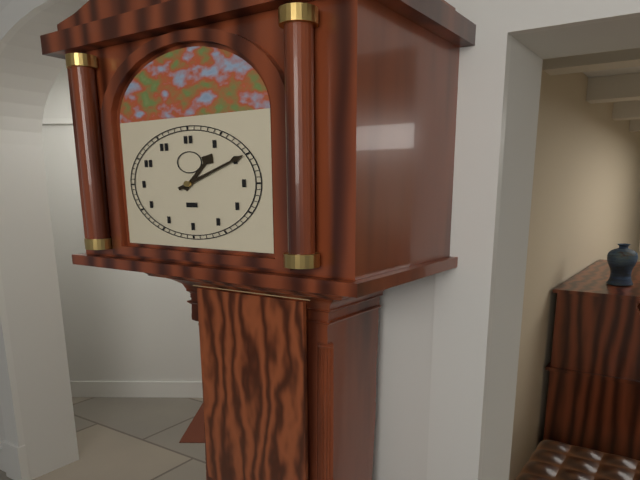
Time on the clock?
1:10
